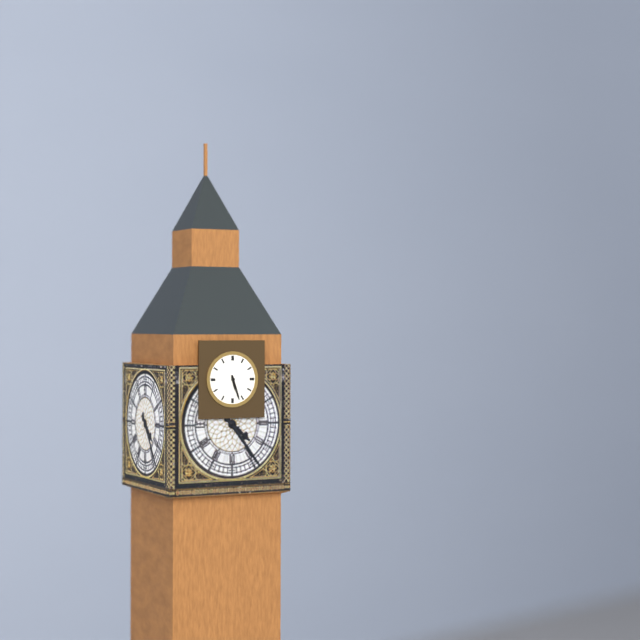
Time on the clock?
5:27
